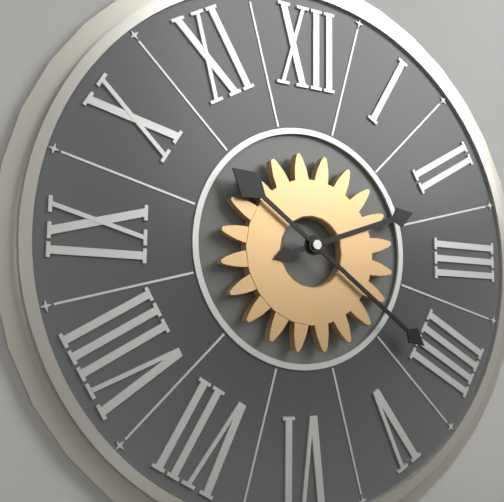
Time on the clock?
2:21
